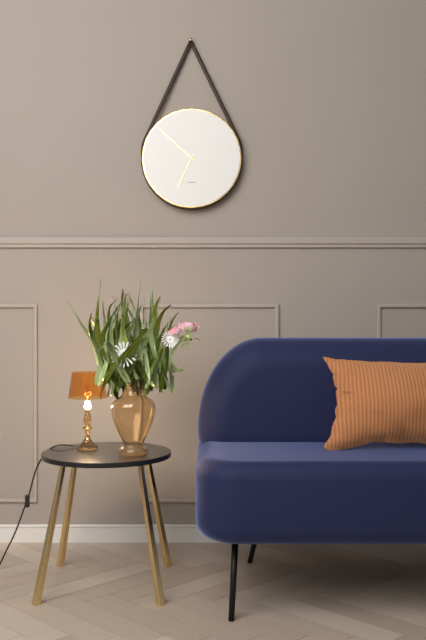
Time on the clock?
6:52
